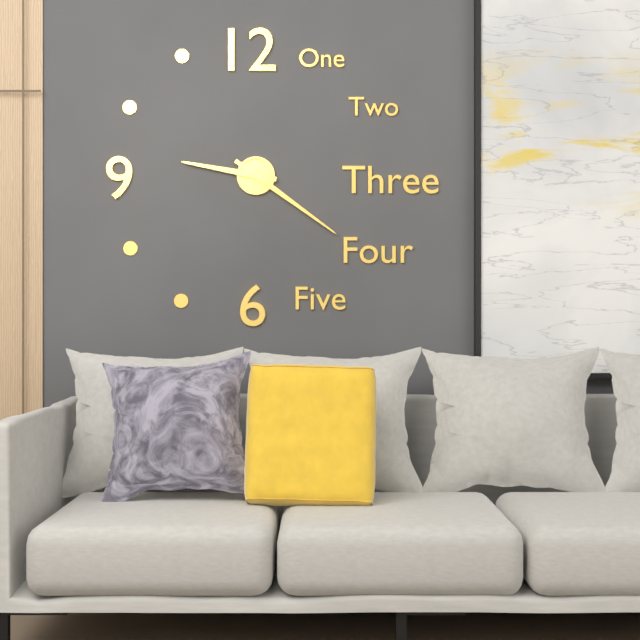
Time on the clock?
9:21
